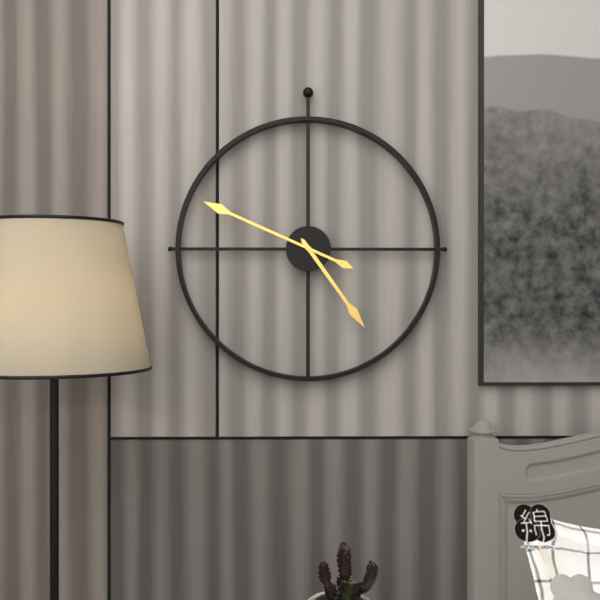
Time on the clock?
4:49
